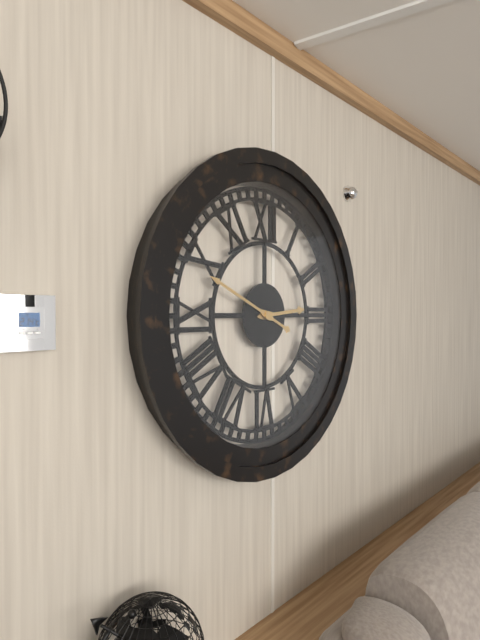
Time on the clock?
2:49
